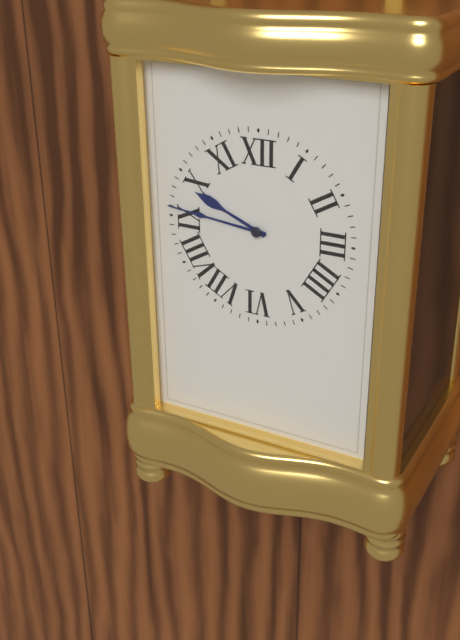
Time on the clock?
9:46
